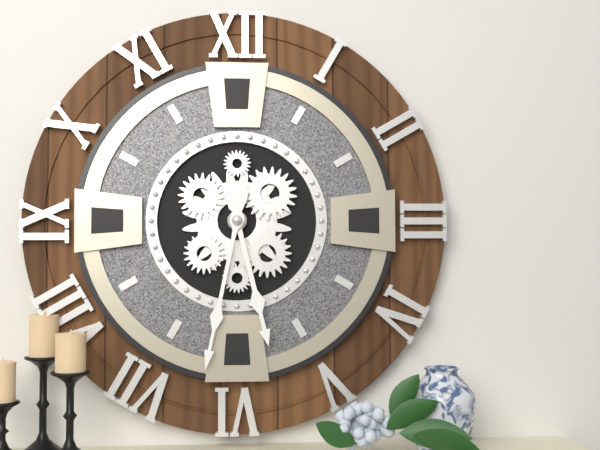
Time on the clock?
5:32
